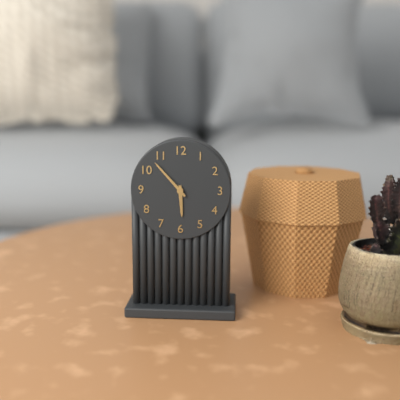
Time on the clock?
5:53
